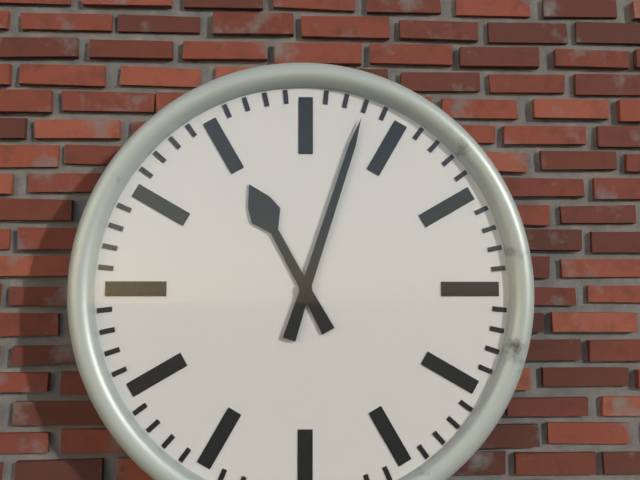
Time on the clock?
11:03
